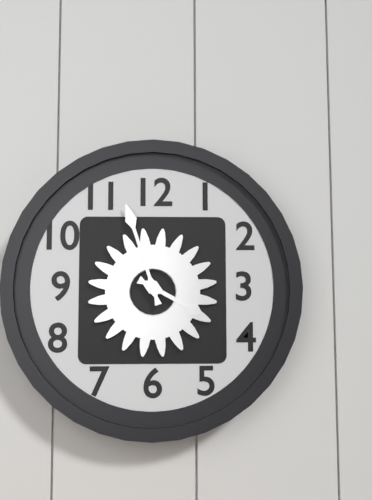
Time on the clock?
3:57
